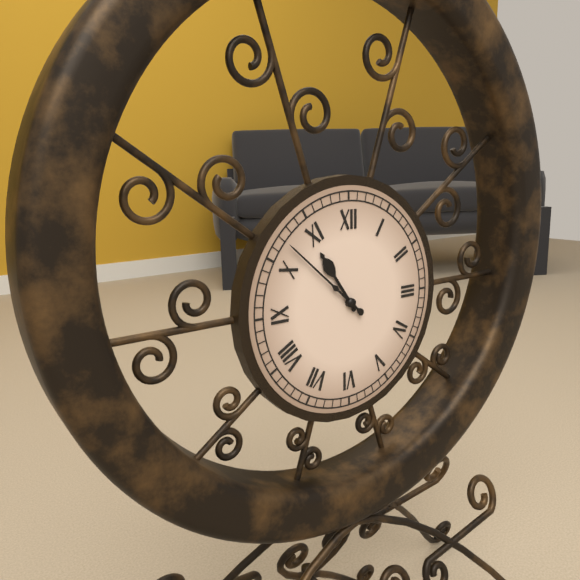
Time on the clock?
10:52
